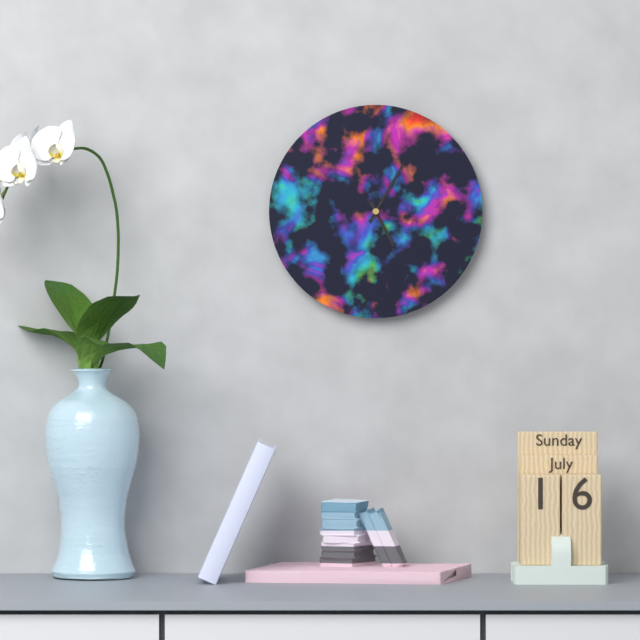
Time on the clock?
5:05
